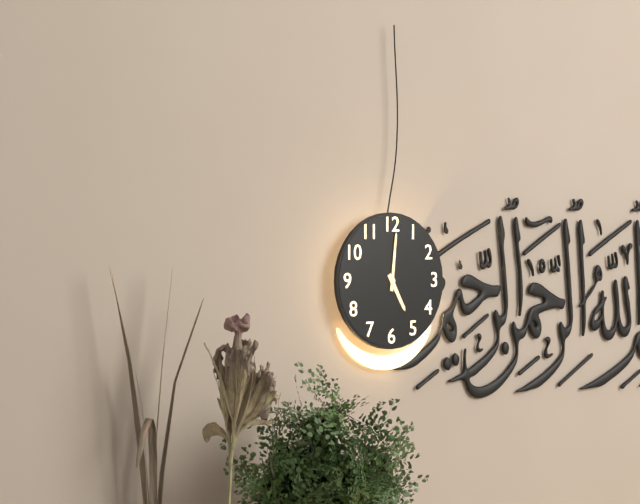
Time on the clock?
5:01
